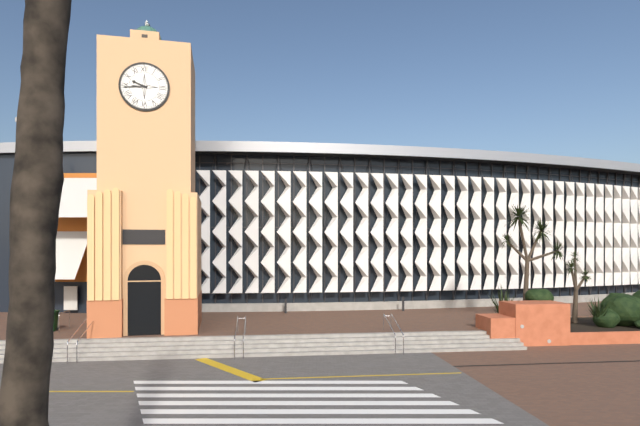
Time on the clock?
9:44
